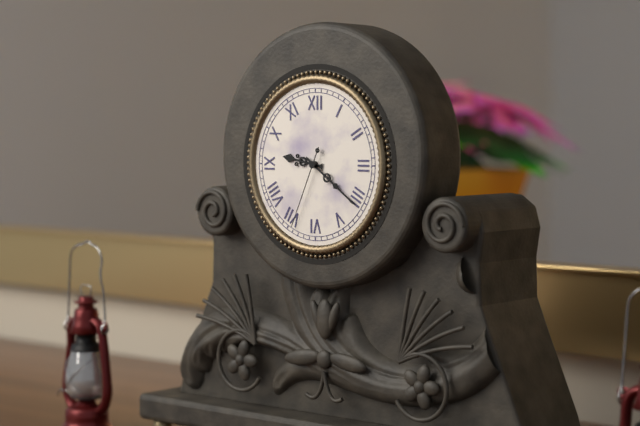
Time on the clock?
9:21:34
